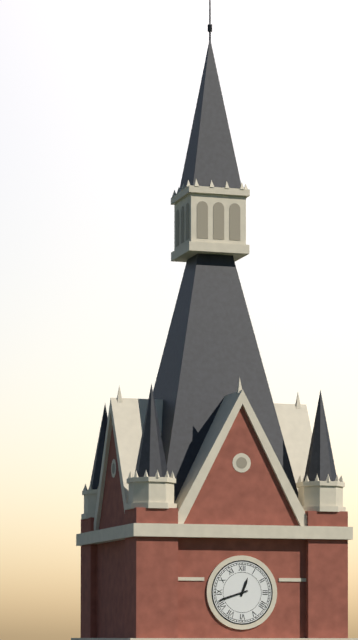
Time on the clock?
12:42
